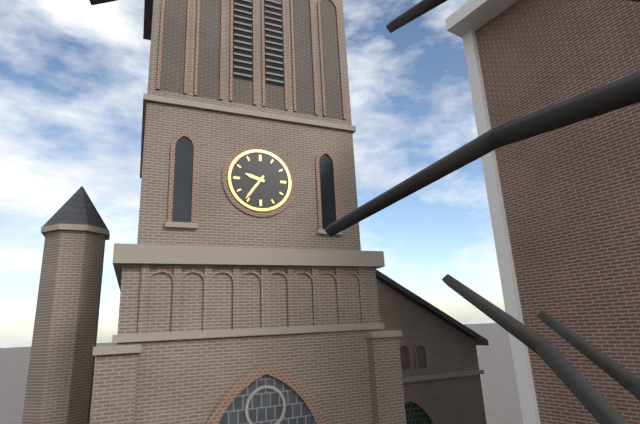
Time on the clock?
9:36
